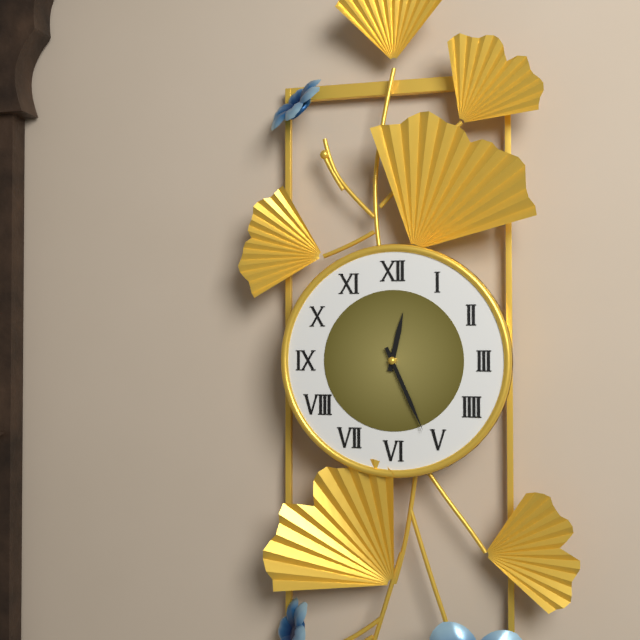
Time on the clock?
12:26
